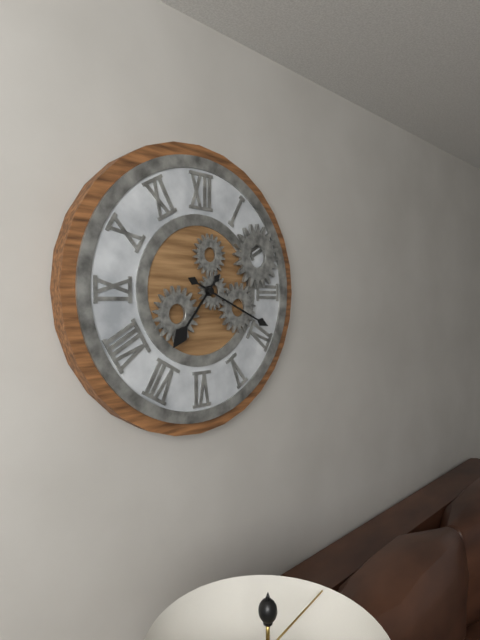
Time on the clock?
7:19
